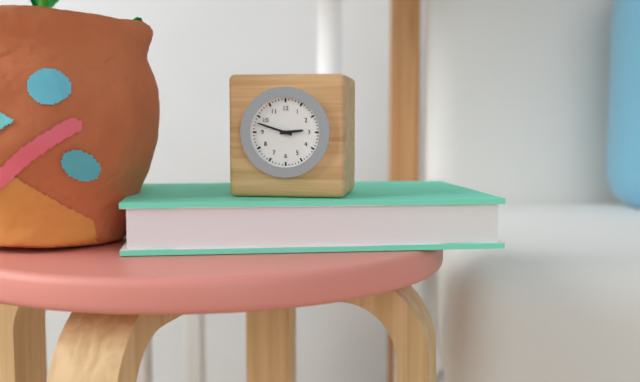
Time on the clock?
2:48
